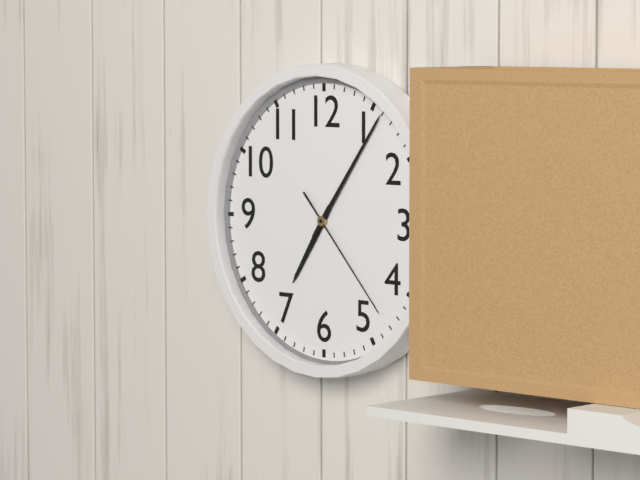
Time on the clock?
7:06:23
